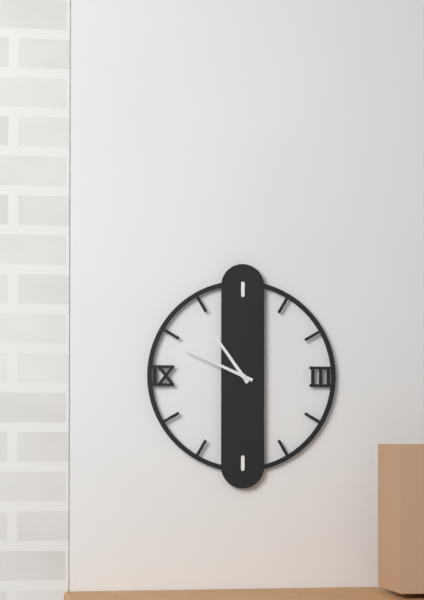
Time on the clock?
10:49
